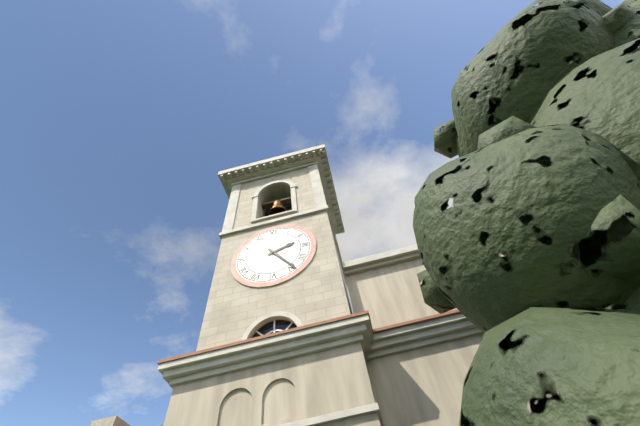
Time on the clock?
2:24
